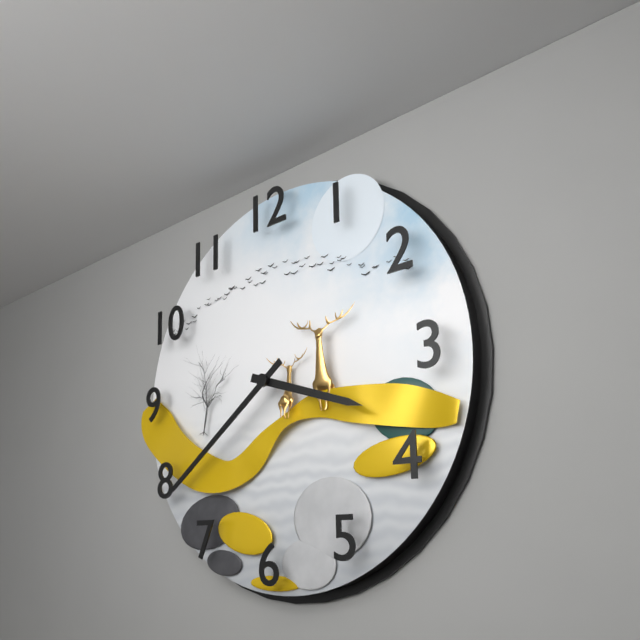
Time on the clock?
3:39
